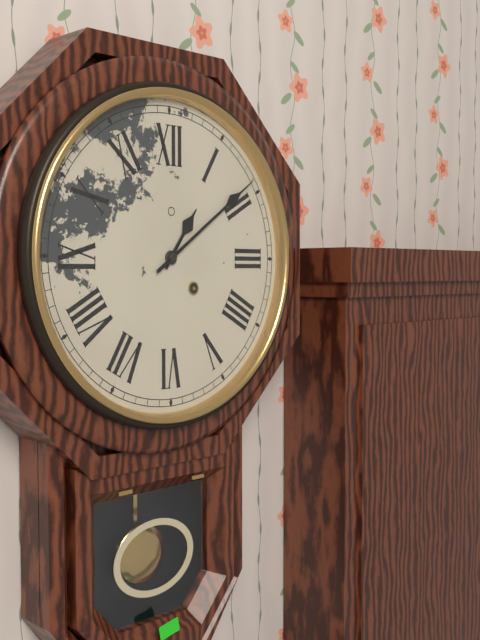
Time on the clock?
1:09
